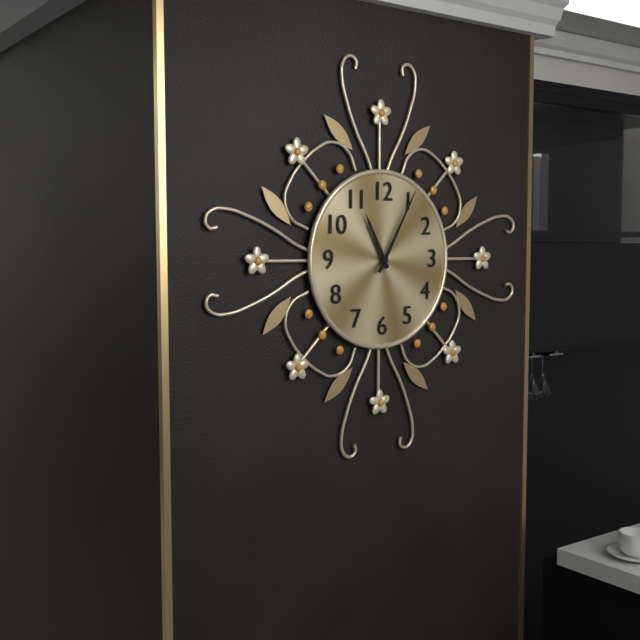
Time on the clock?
11:05
